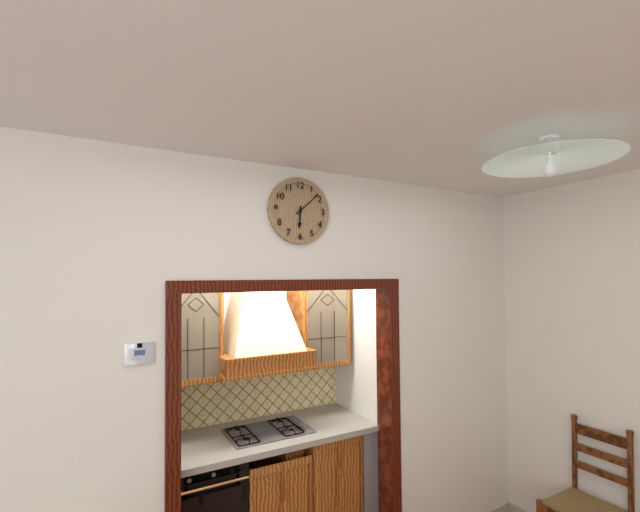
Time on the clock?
6:08
